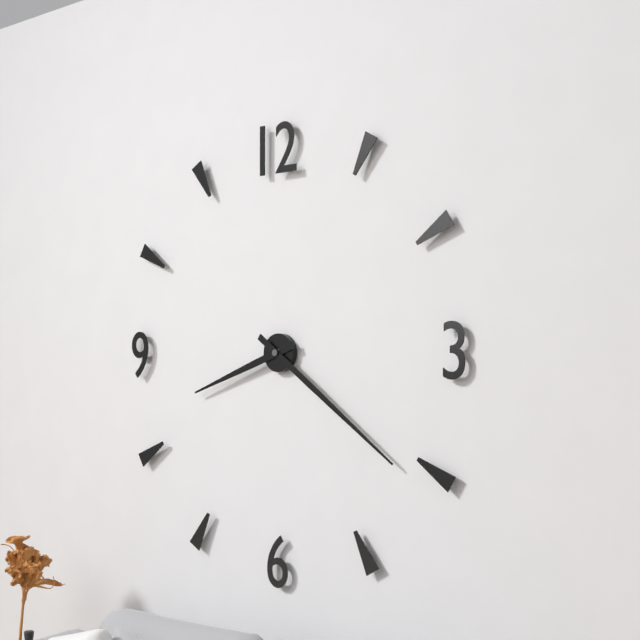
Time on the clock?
8:21
